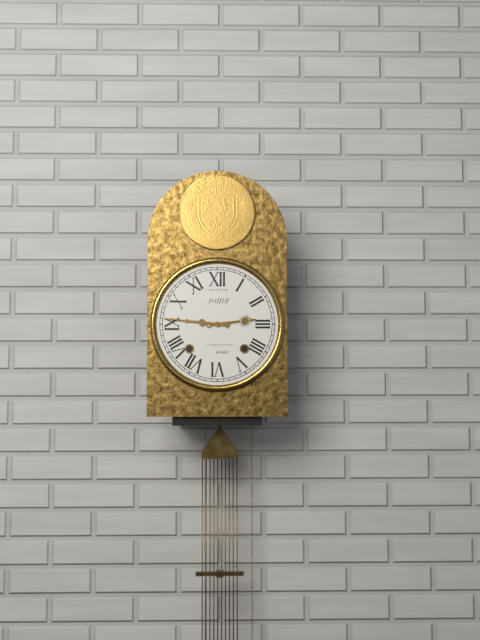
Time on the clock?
2:46
